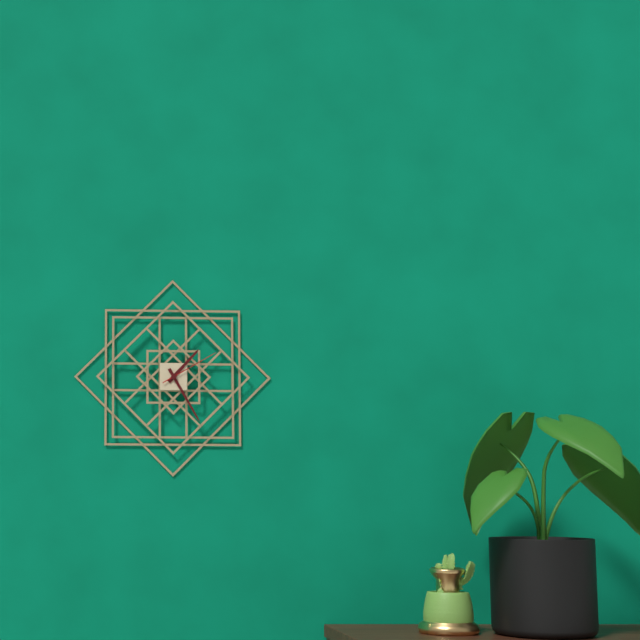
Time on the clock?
1:25:10
